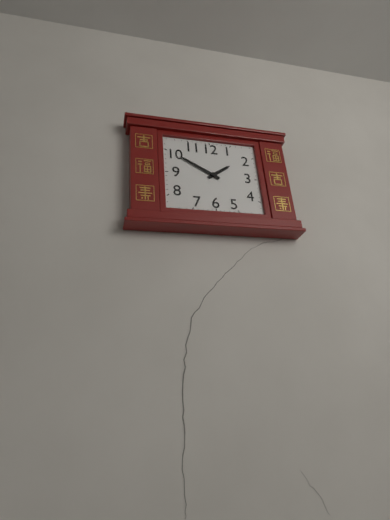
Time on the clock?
1:50
